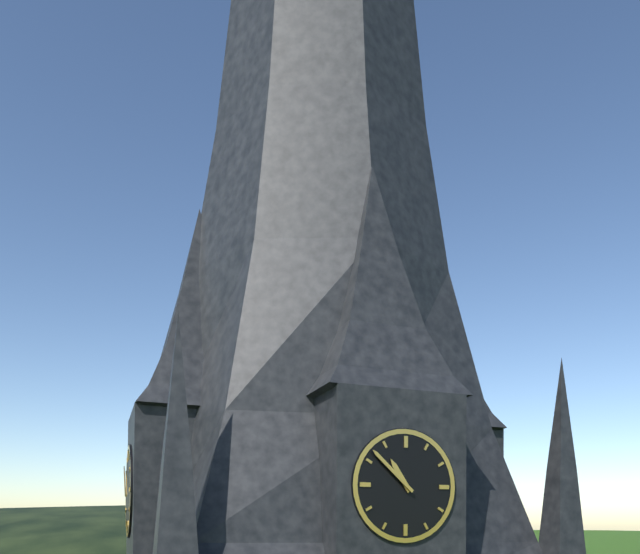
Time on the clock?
10:52
